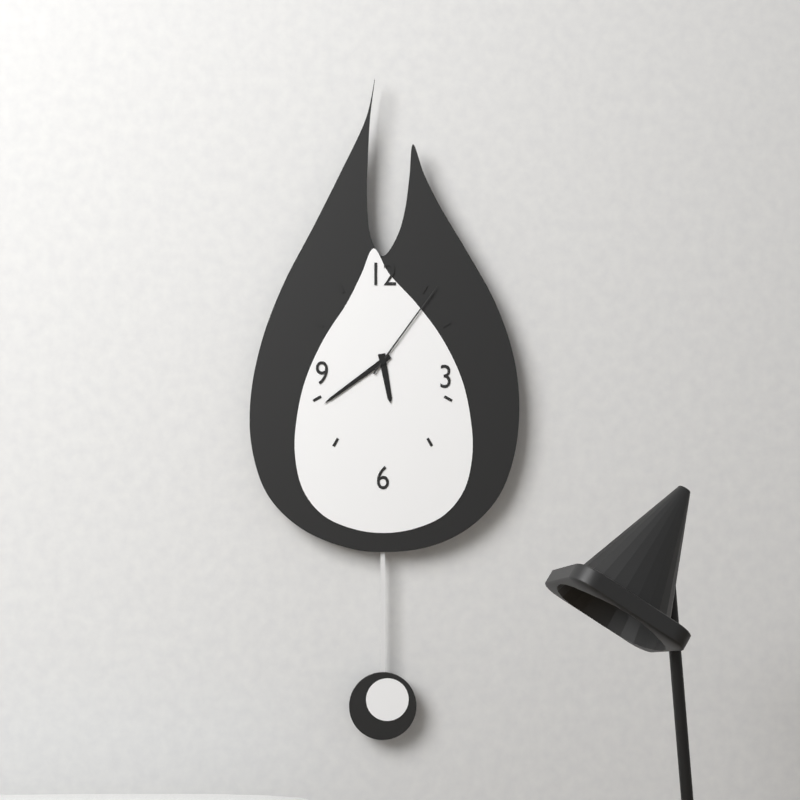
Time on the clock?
5:39:06
